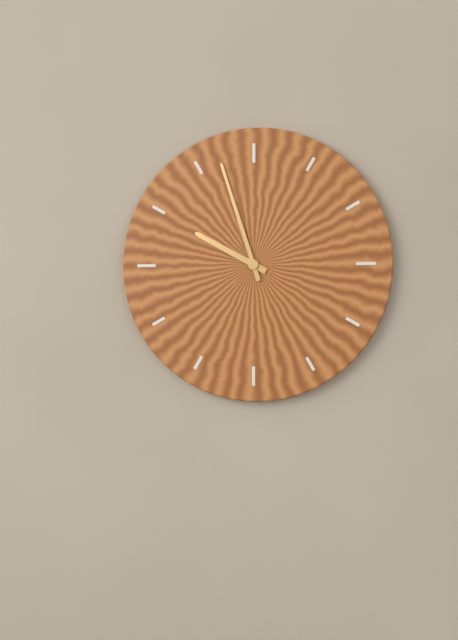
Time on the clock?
9:57
